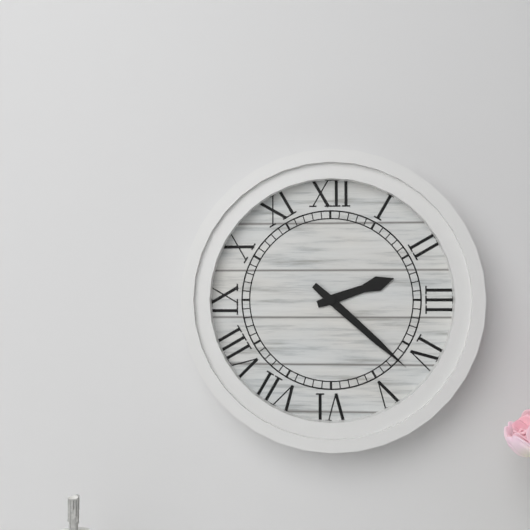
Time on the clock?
2:22
